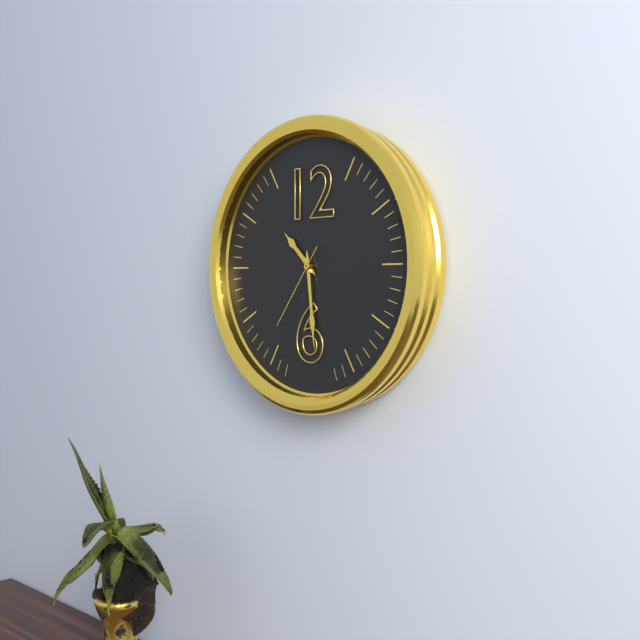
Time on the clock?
10:29:36
